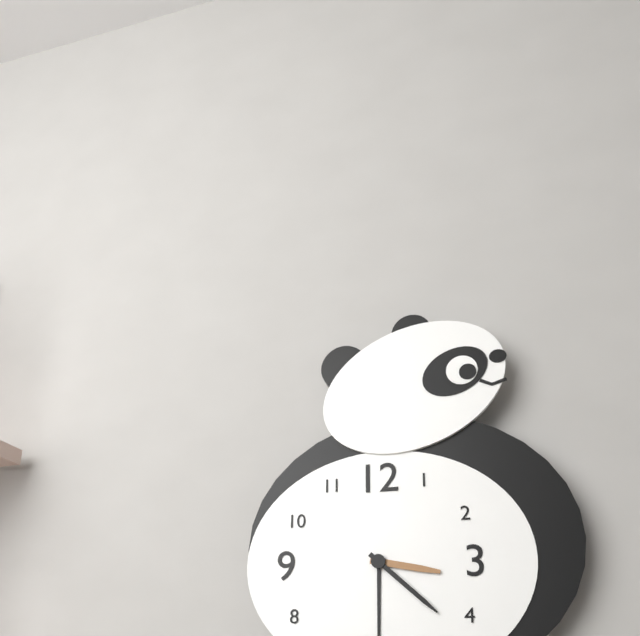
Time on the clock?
3:22
